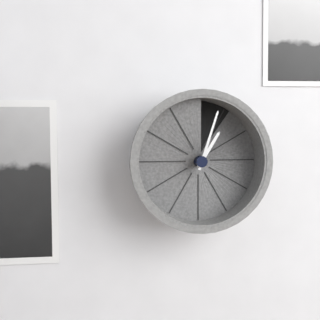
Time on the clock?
1:03
